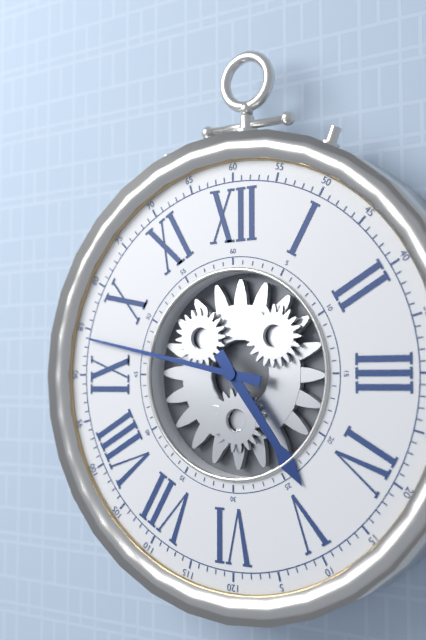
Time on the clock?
4:47
